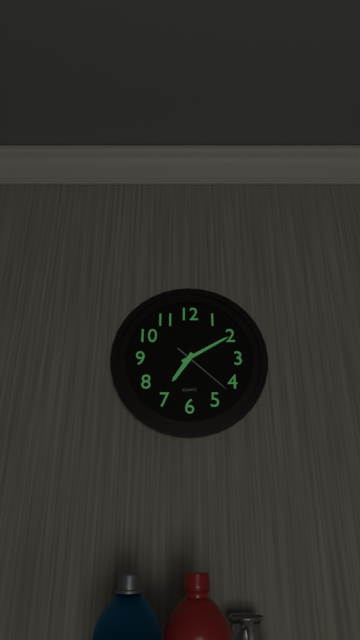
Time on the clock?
7:10:22
